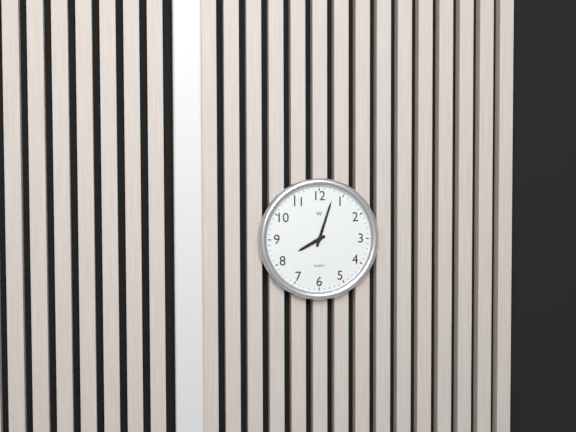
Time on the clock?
8:03
